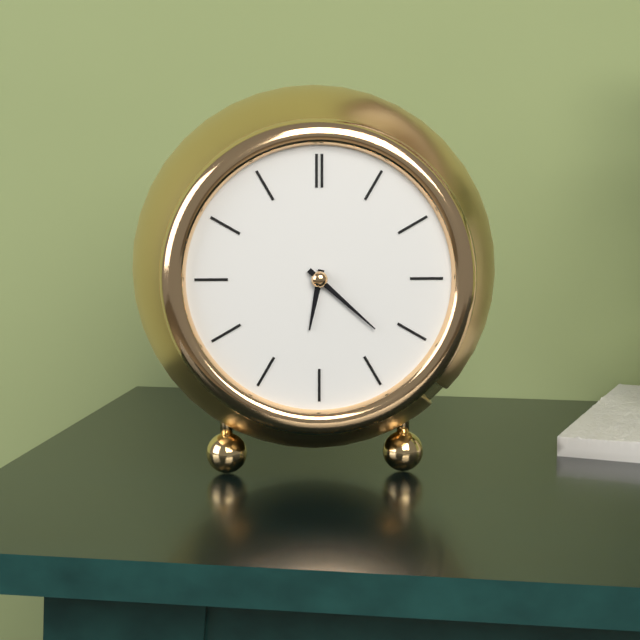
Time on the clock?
6:22
